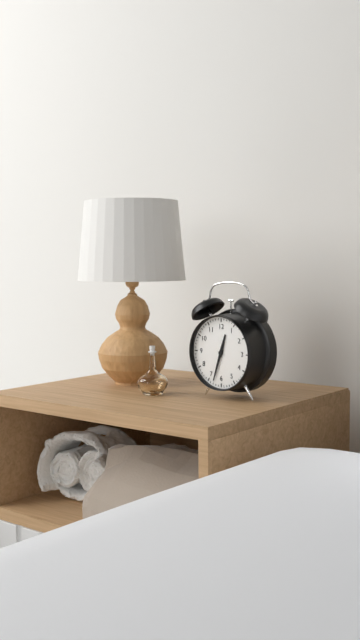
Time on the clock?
12:33
